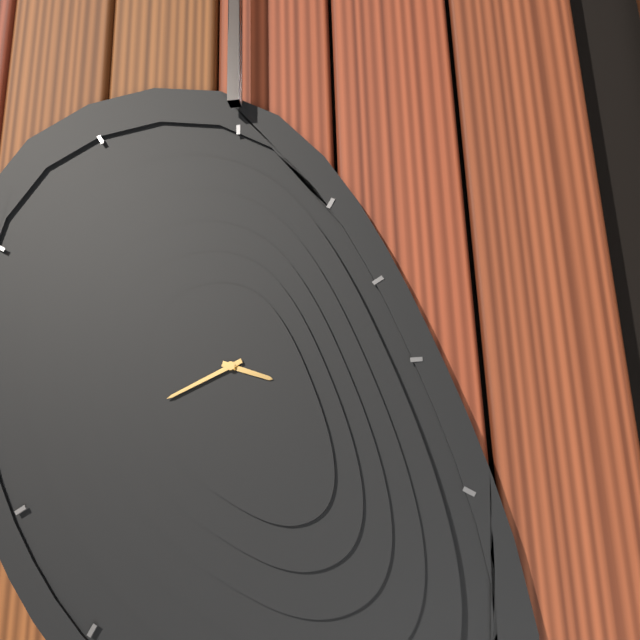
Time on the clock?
3:41
